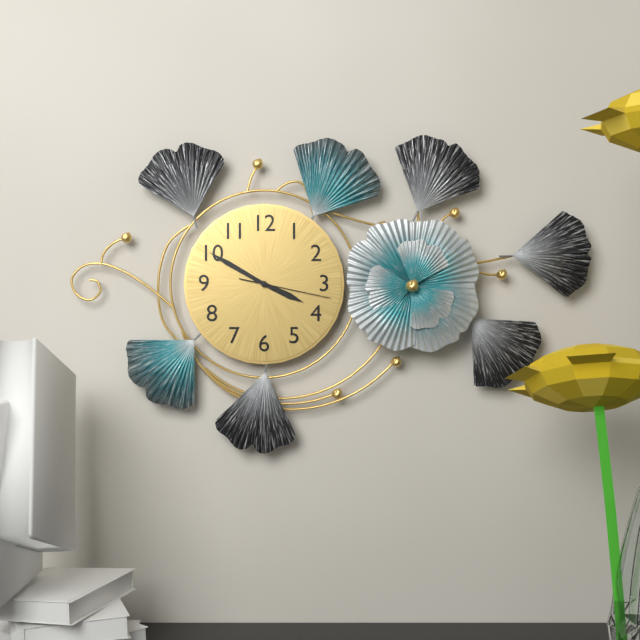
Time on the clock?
3:50:17
